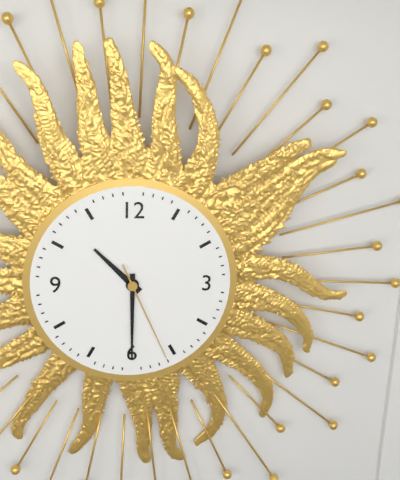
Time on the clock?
10:30:26
